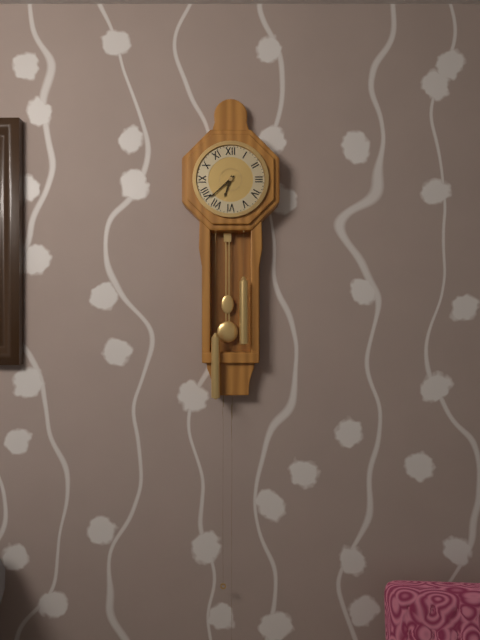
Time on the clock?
6:38
